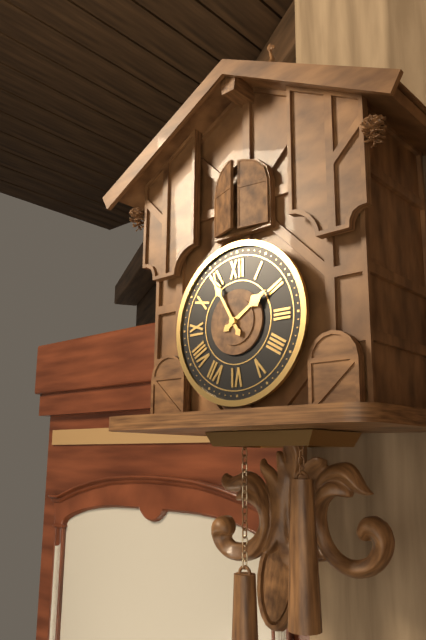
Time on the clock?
1:55
